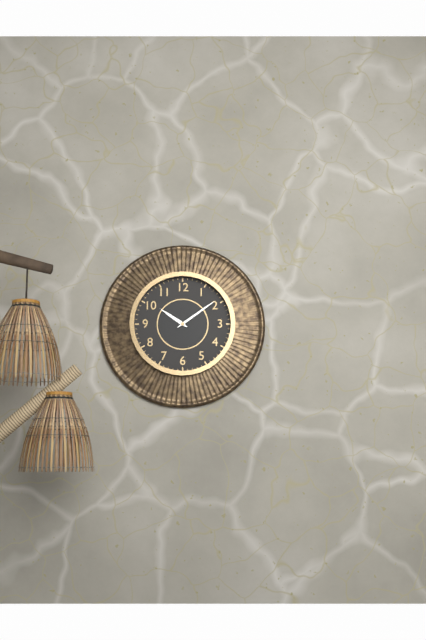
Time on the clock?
10:09
